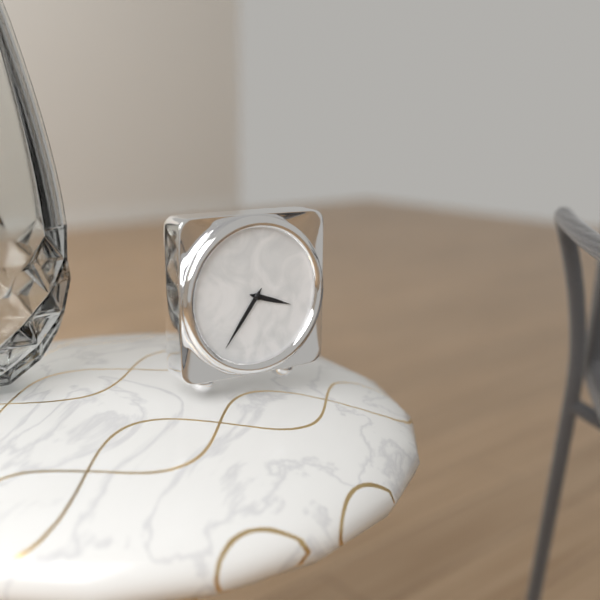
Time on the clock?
3:36
